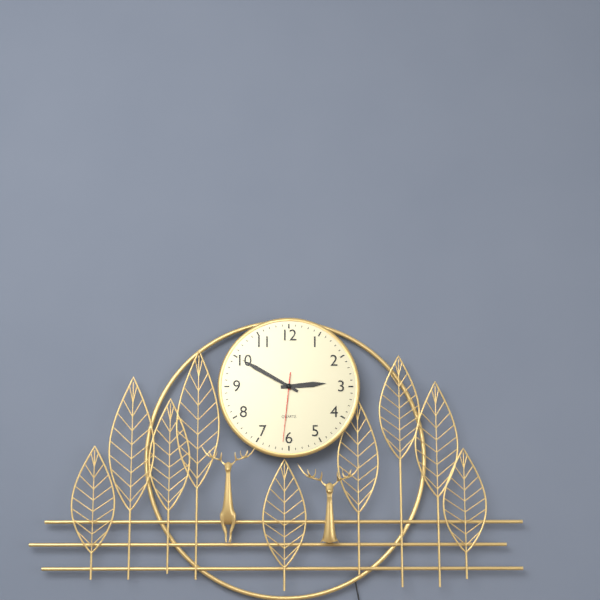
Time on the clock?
2:50:31
